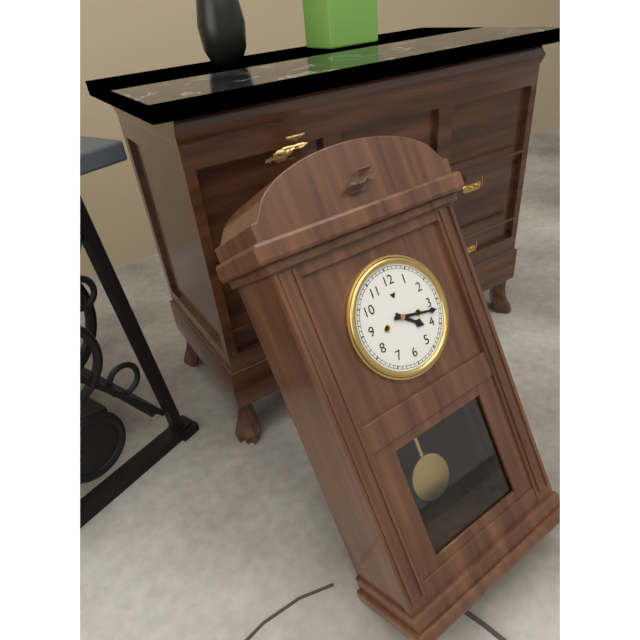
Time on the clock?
4:17
